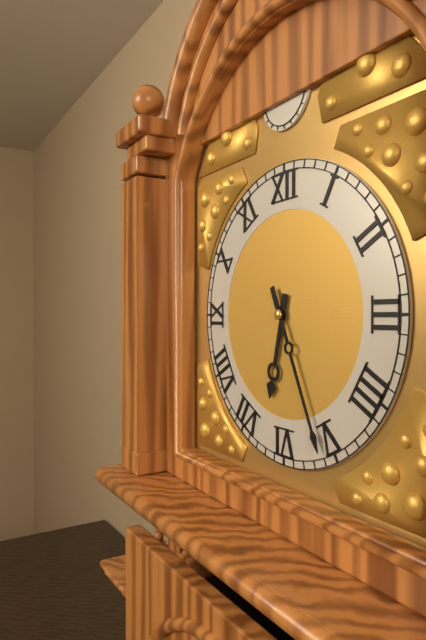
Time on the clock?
6:26
